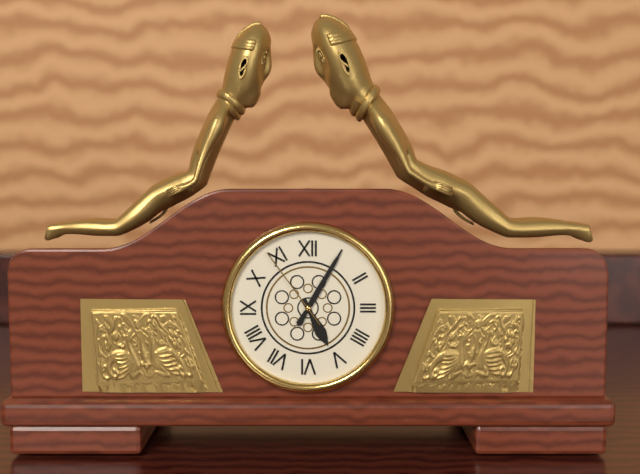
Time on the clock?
5:05:54
